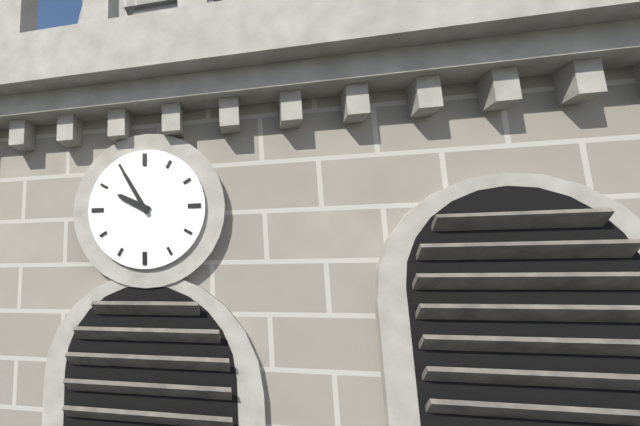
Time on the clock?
9:55
